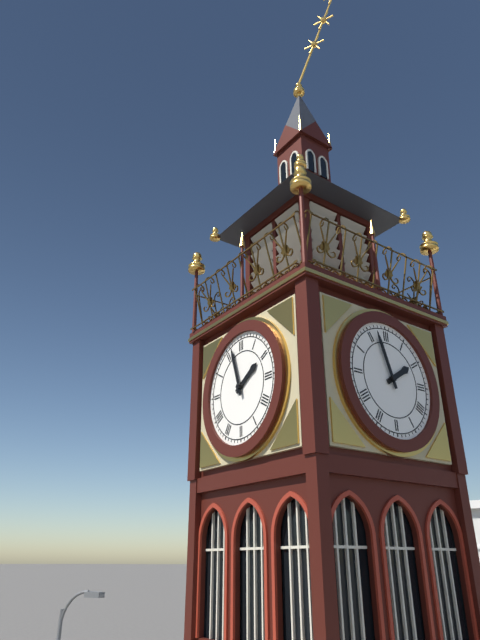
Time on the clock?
1:57
